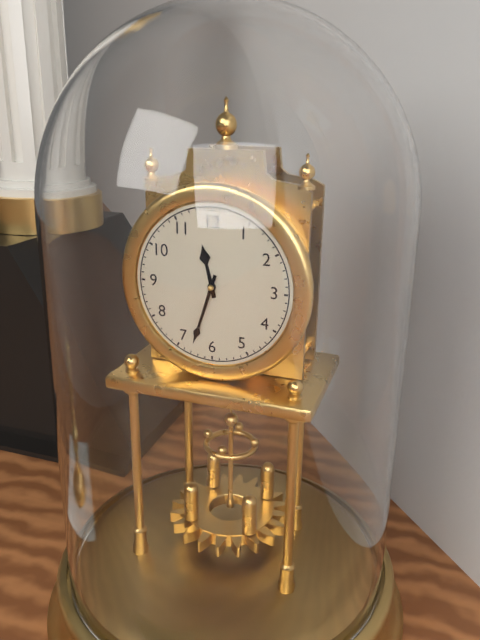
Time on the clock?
11:33
